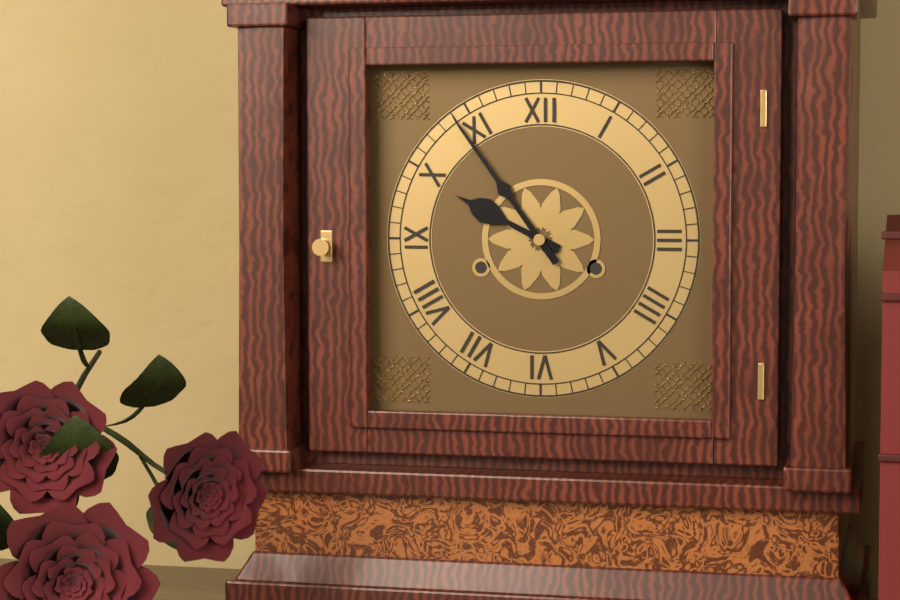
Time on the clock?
9:54
